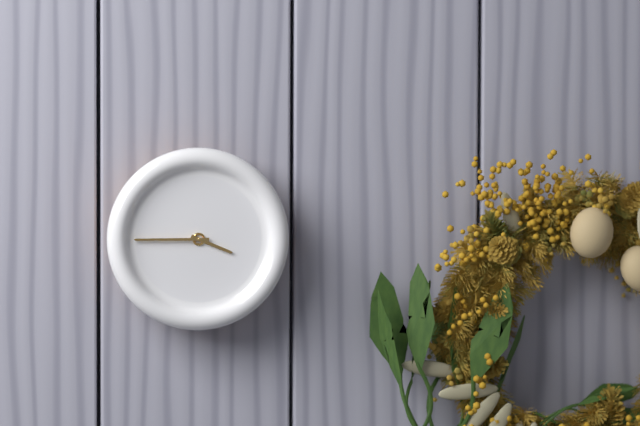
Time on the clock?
3:45
